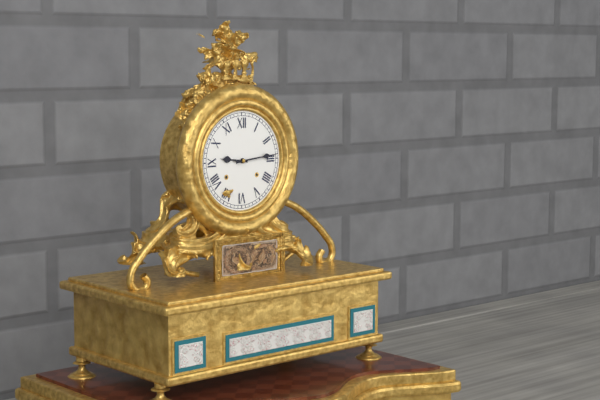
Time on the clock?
9:14
